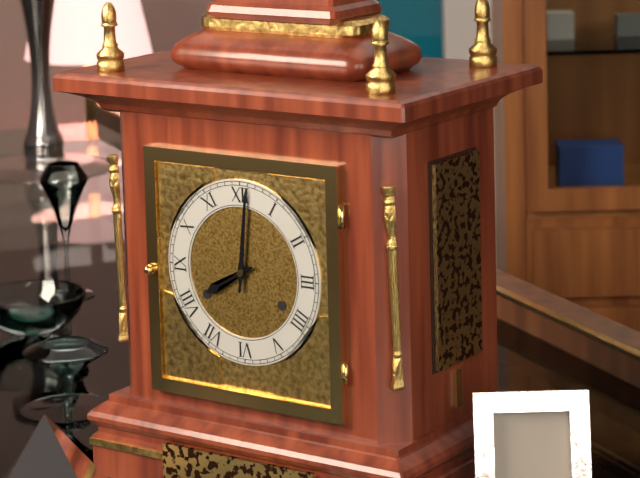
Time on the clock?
8:01
